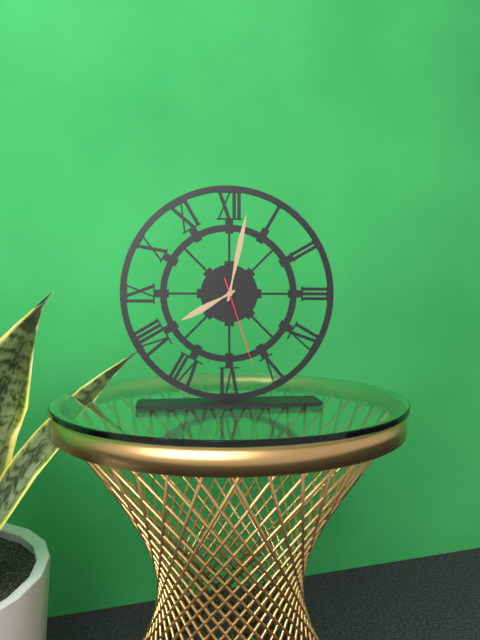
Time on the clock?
8:02:27
